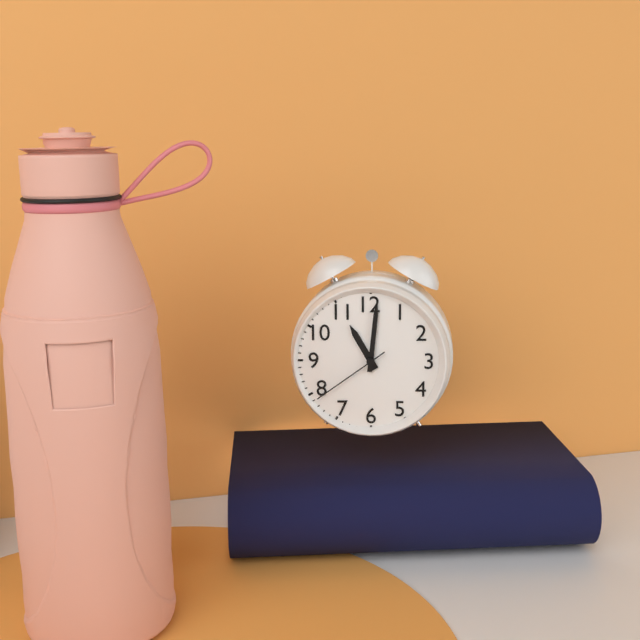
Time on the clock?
11:01:39
